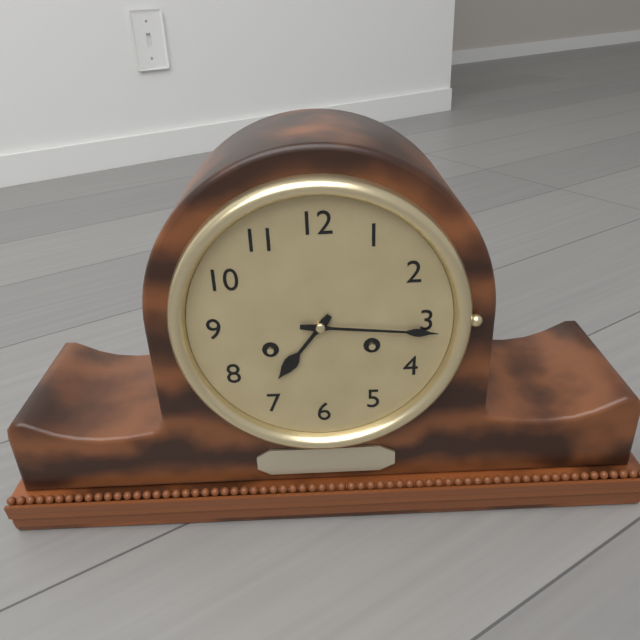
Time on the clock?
7:16
